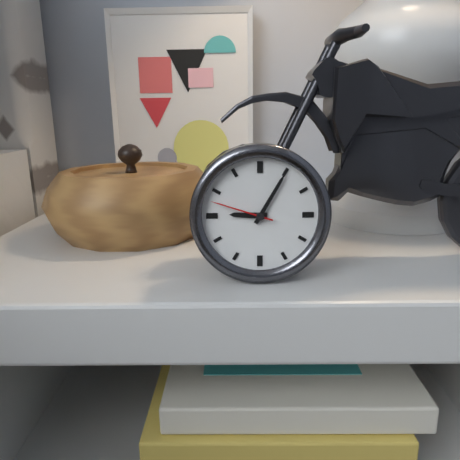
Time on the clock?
9:05:48
